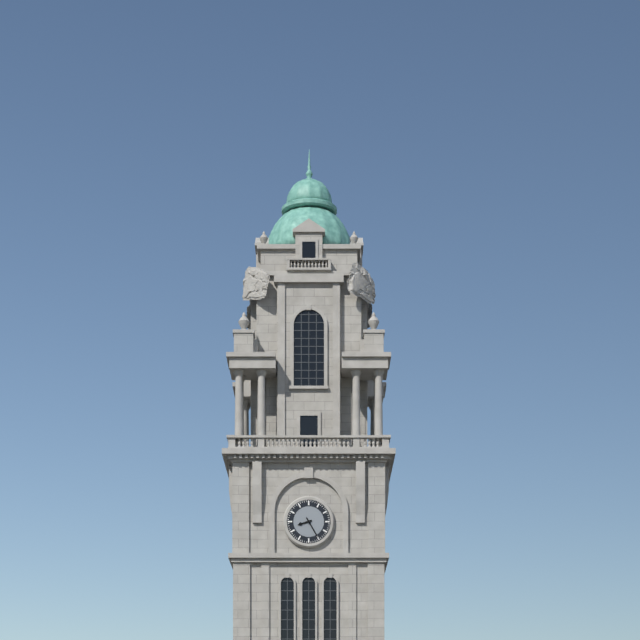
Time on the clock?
8:25
